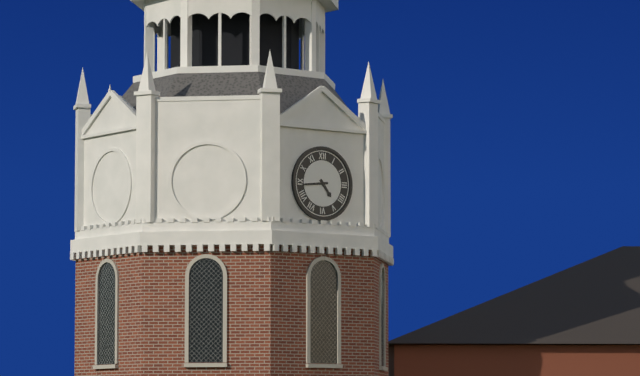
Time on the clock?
4:44
